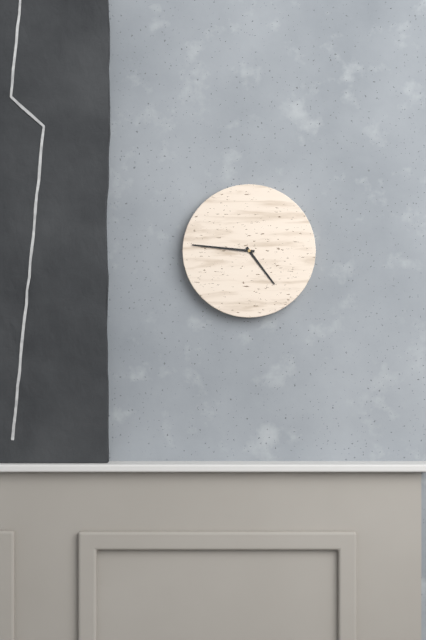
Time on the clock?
4:46
